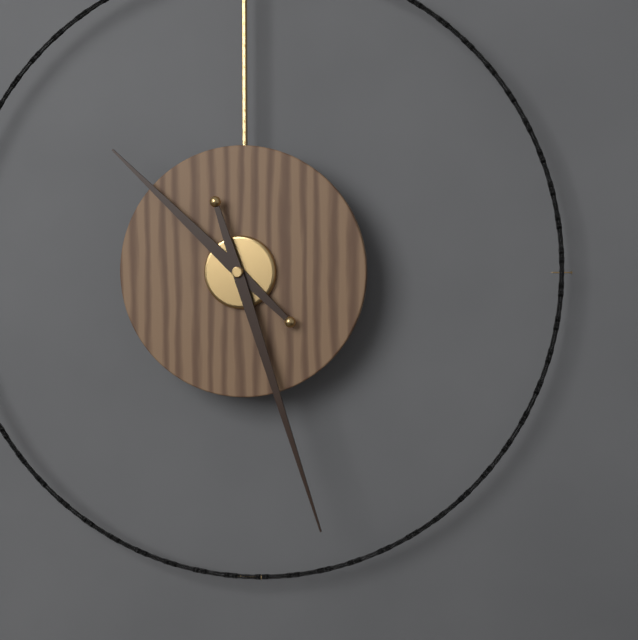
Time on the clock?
10:27
